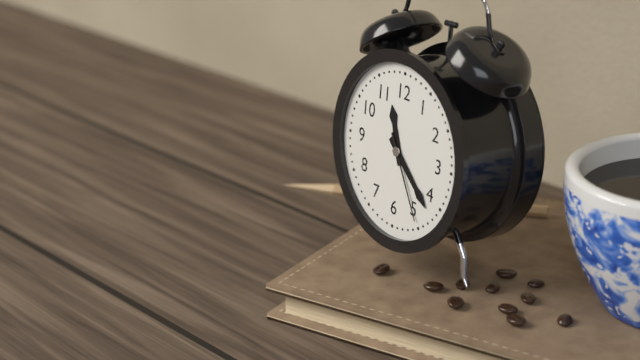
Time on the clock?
11:22:25
